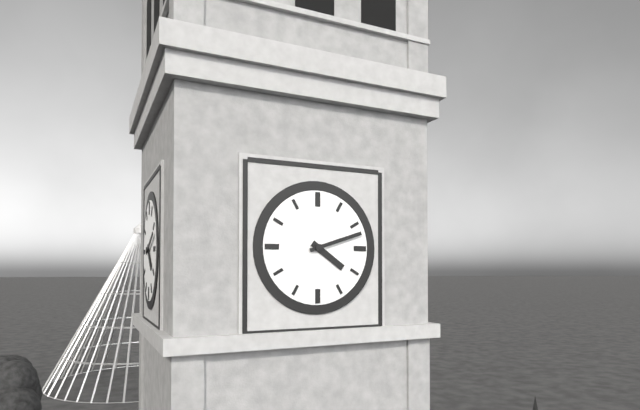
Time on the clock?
4:12
